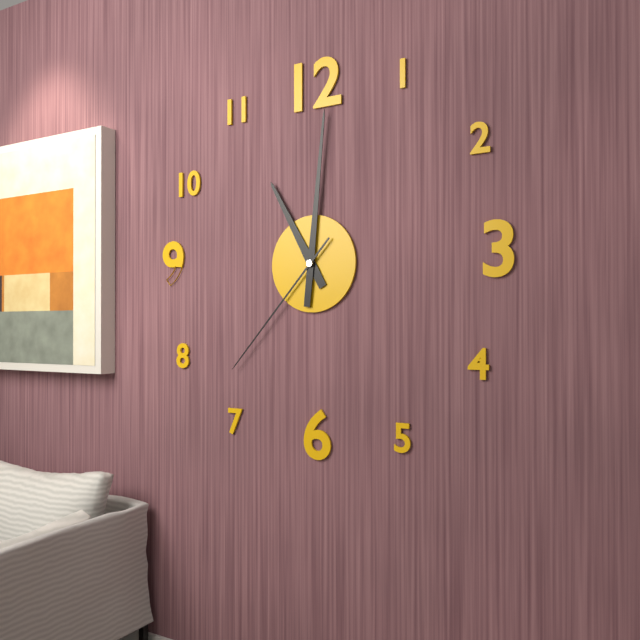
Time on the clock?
11:01:37
